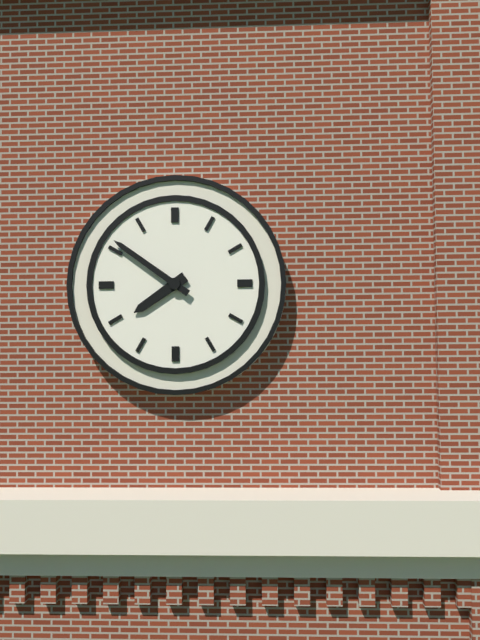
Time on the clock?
7:51
